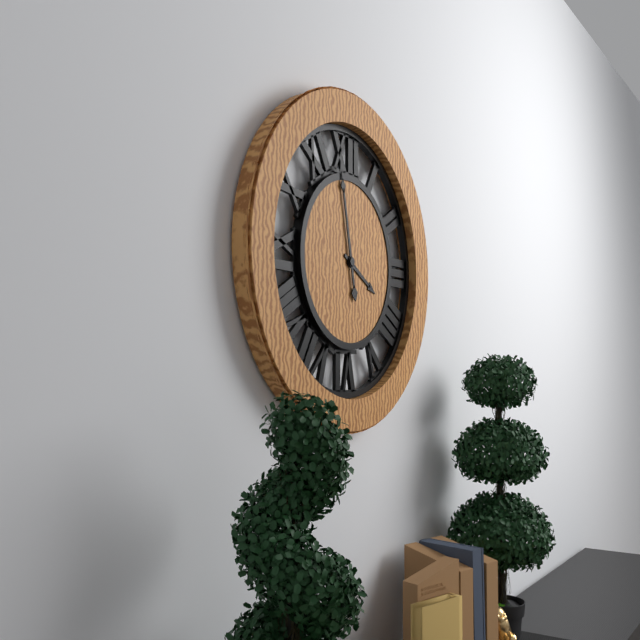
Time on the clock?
3:58
